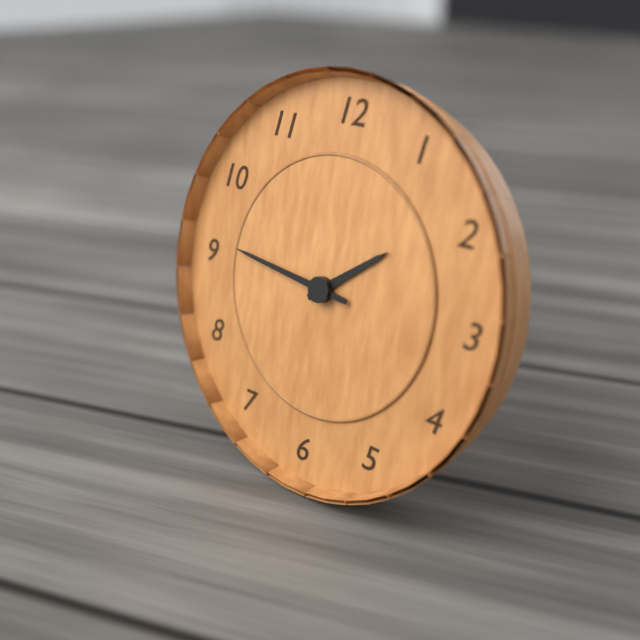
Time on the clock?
1:46
